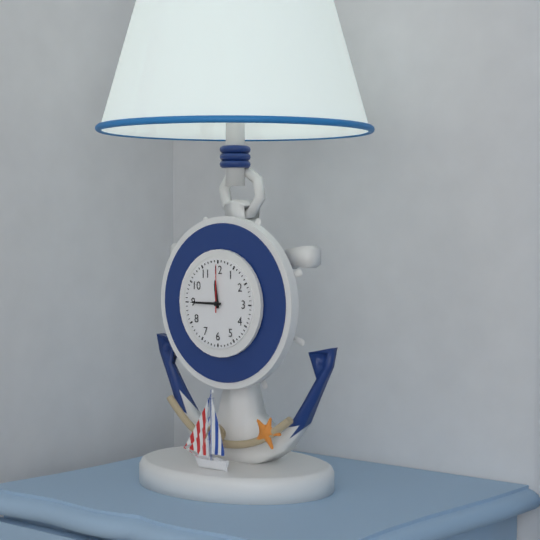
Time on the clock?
11:45
